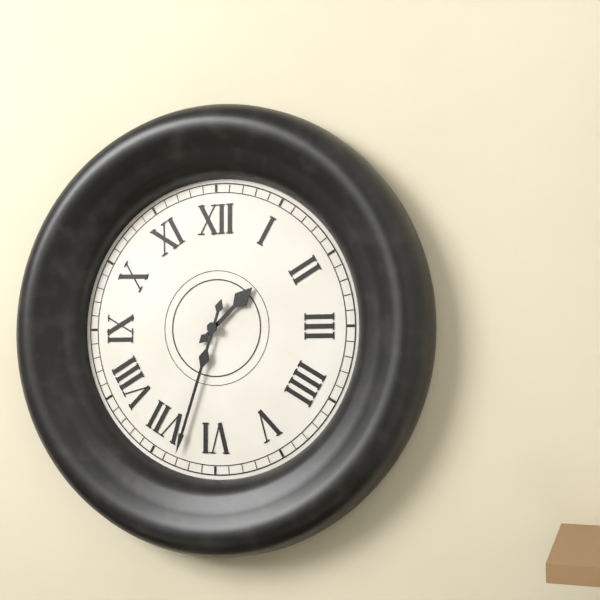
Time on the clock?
1:33
